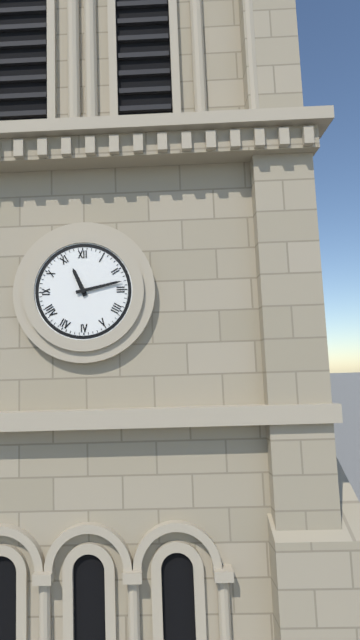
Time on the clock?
11:13
